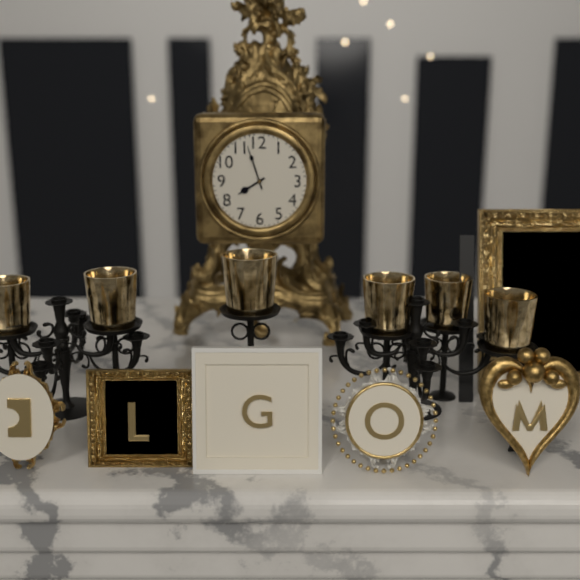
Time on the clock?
7:57
